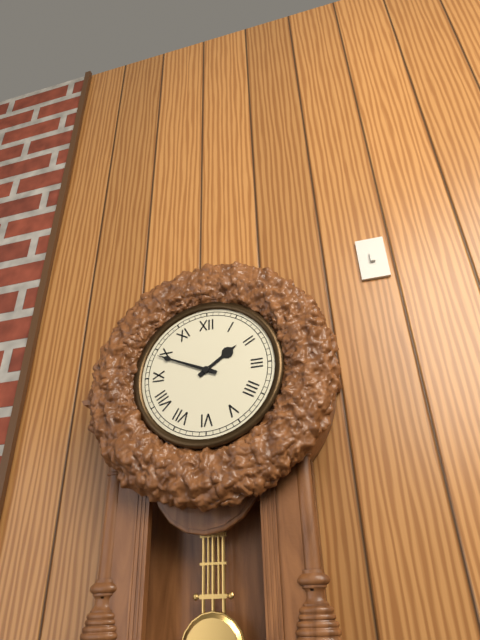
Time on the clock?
1:49
